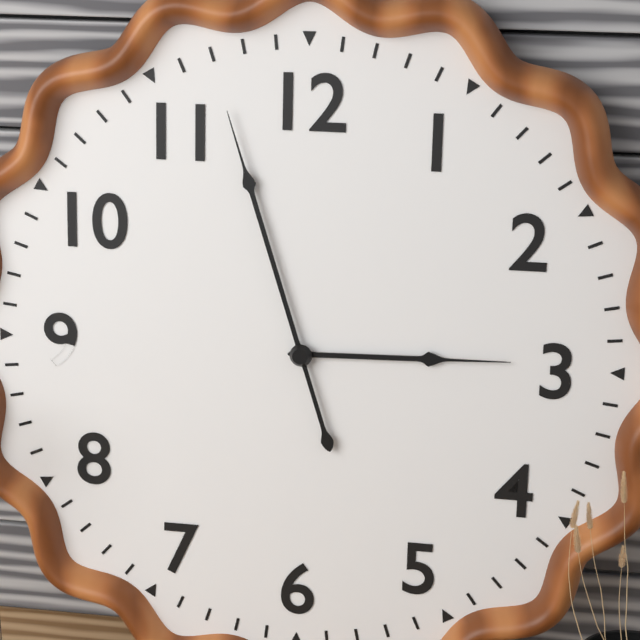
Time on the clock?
2:57
